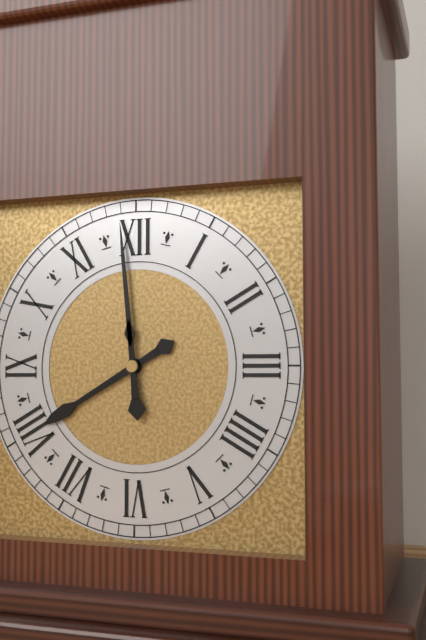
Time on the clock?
7:59
